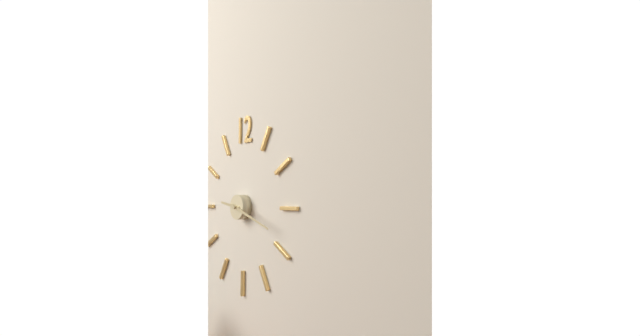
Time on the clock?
9:18
